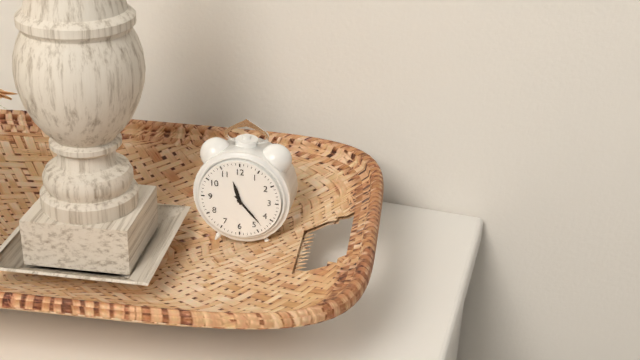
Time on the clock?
11:23
